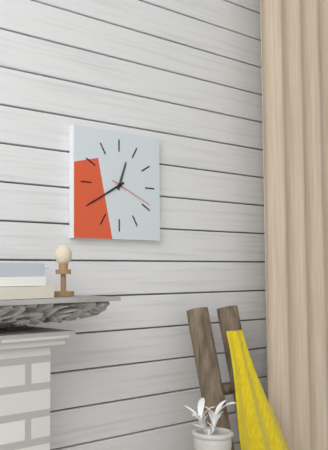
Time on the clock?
12:40
